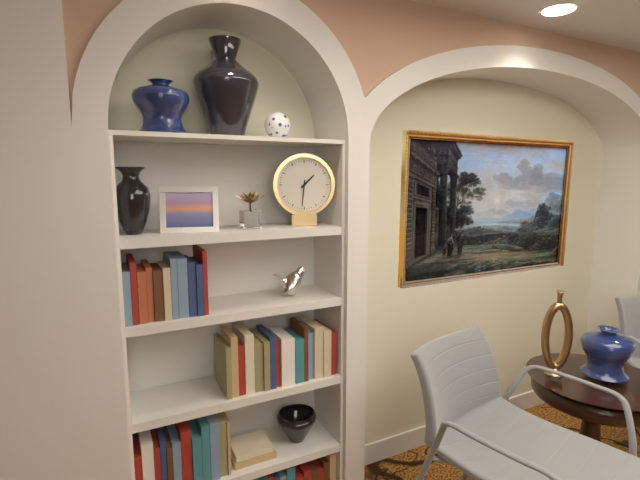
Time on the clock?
1:31
